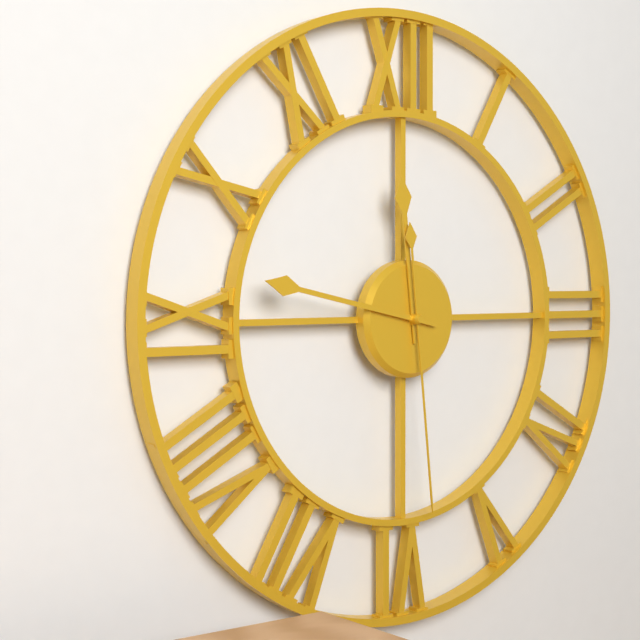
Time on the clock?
11:47:29
